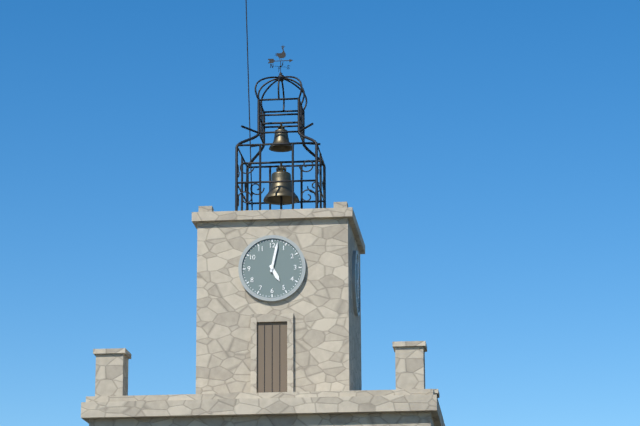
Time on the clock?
5:02
